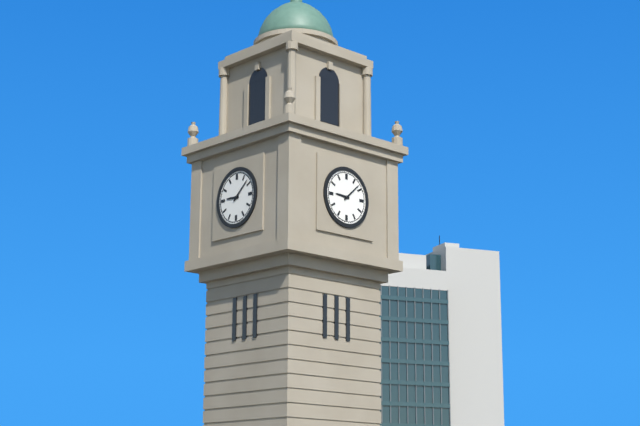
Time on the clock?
9:08
